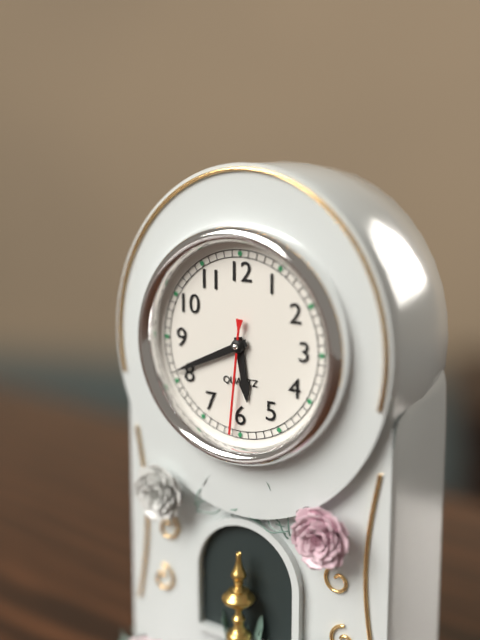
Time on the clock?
5:41:31
